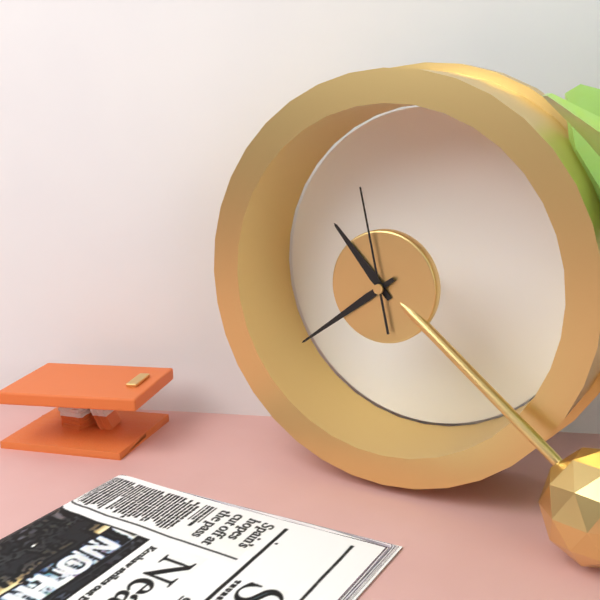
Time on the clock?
10:39:58
